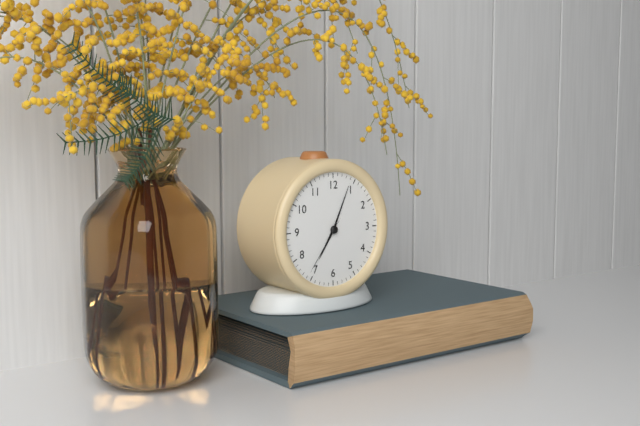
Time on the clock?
7:04:36
